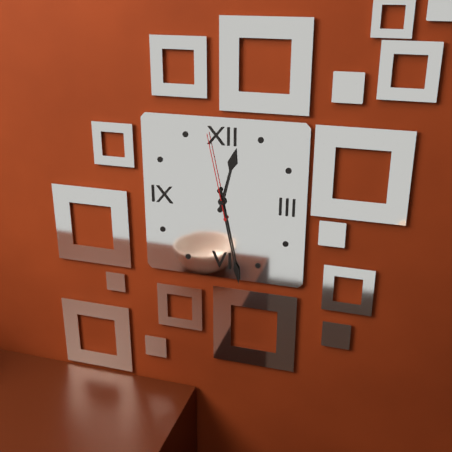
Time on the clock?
12:28:58
